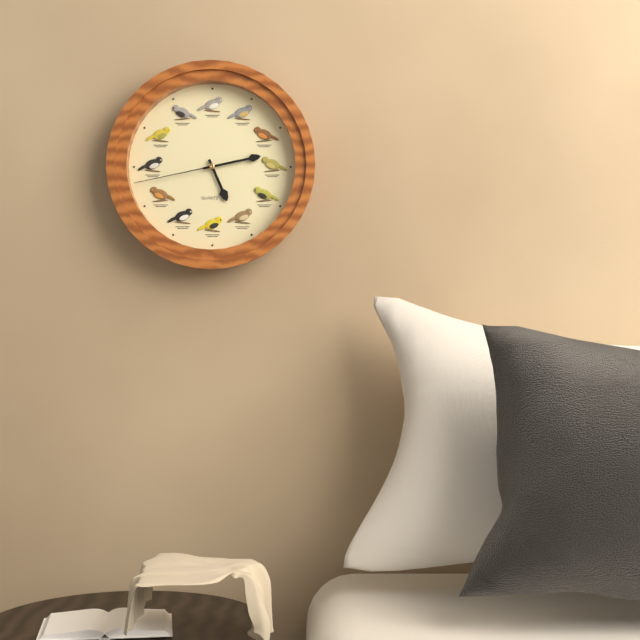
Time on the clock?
5:13:43
